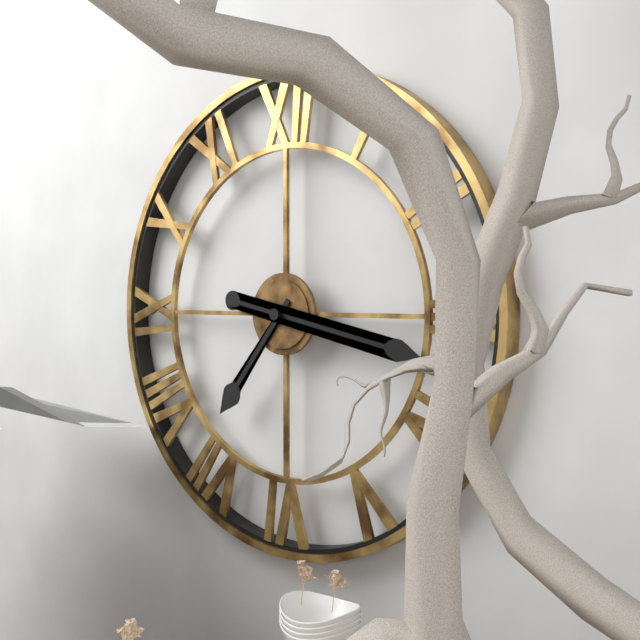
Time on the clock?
7:17
